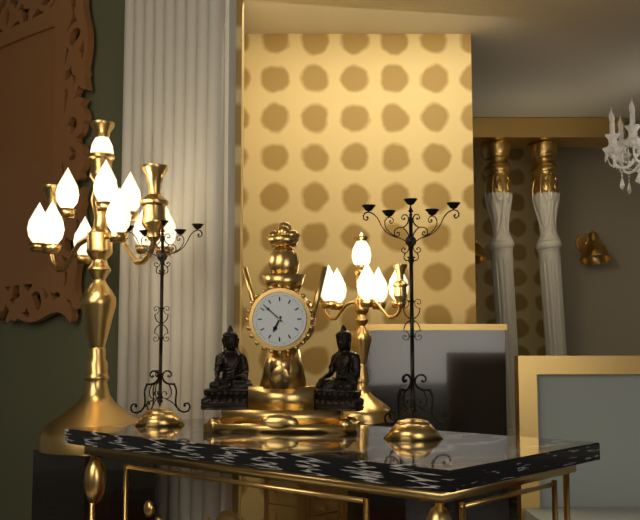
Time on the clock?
6:52
